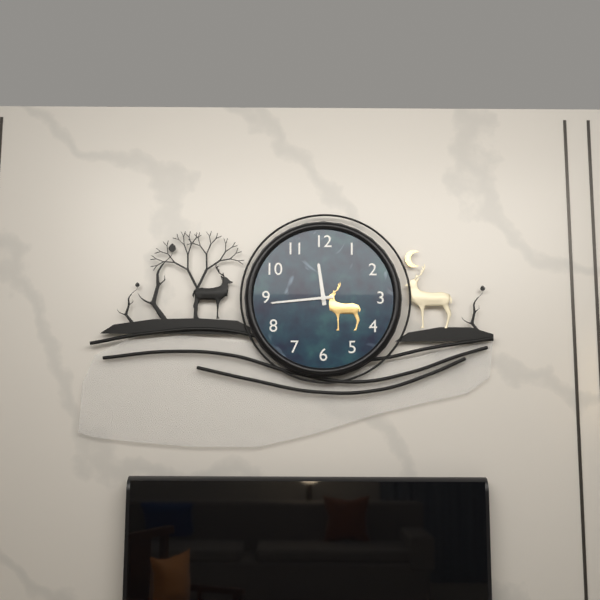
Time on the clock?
11:44
